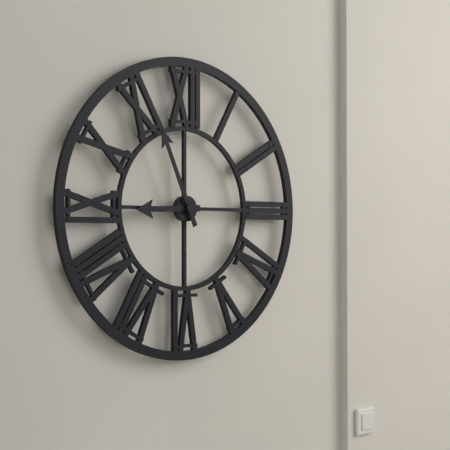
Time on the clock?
8:56
